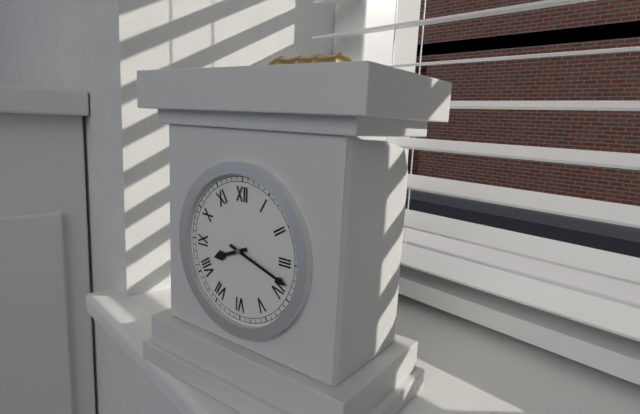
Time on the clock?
8:18
